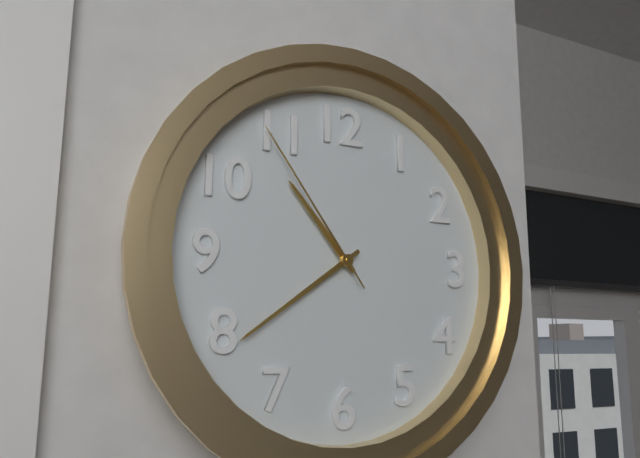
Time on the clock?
10:39:54
